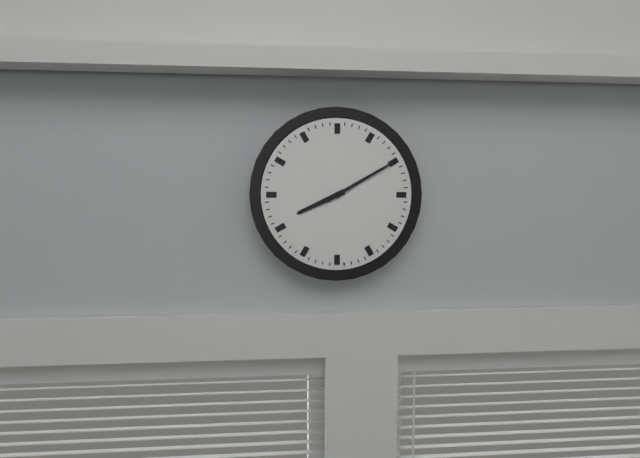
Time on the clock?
8:10
